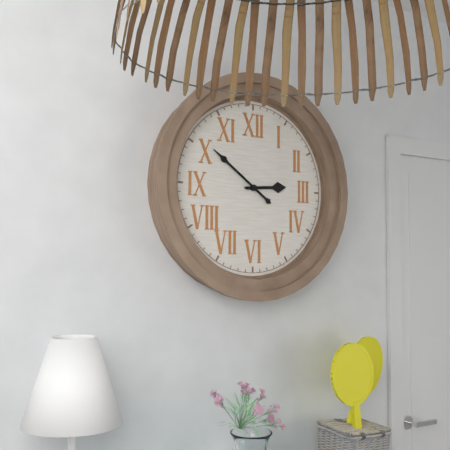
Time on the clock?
2:51
